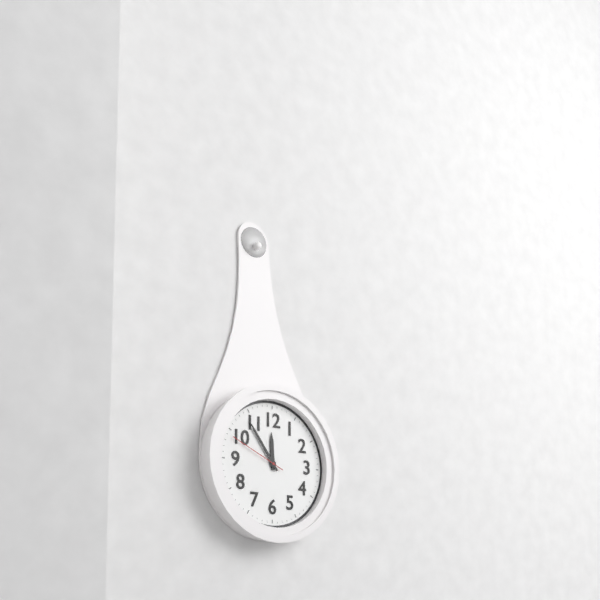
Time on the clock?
11:54:49
